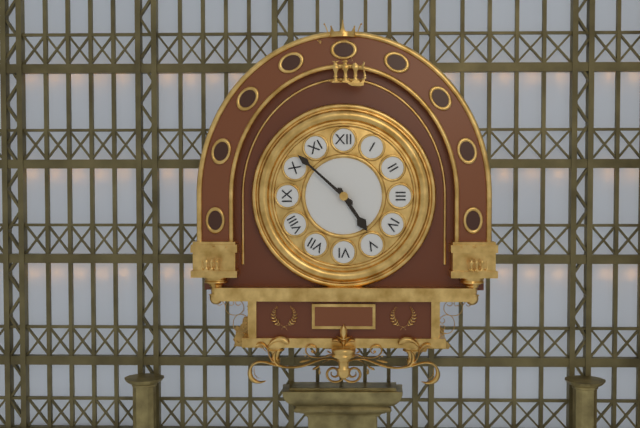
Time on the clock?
4:52
